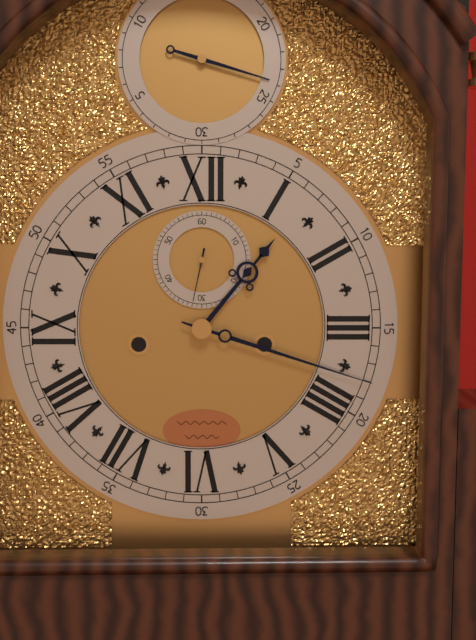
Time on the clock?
1:18:32
